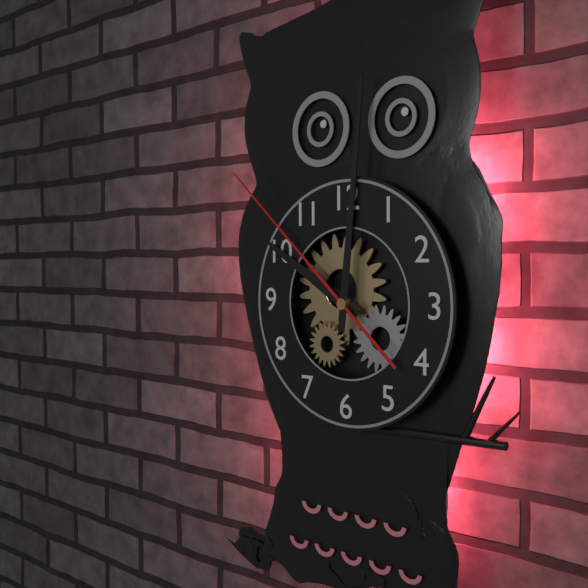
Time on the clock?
10:01:52
